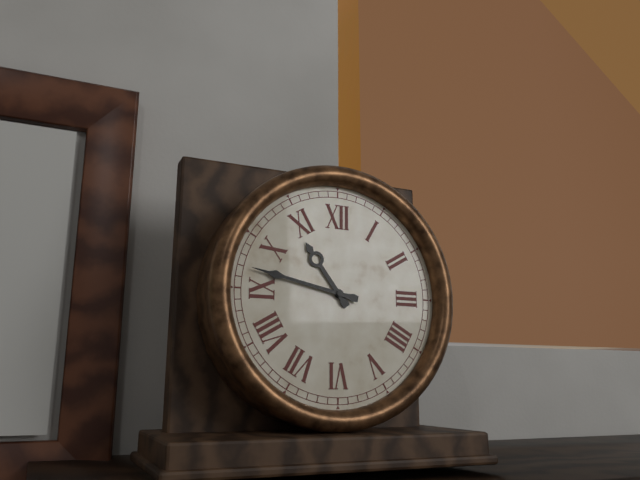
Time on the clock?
10:47
